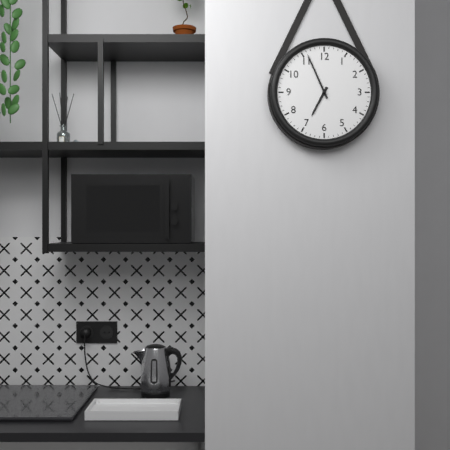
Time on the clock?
6:56
